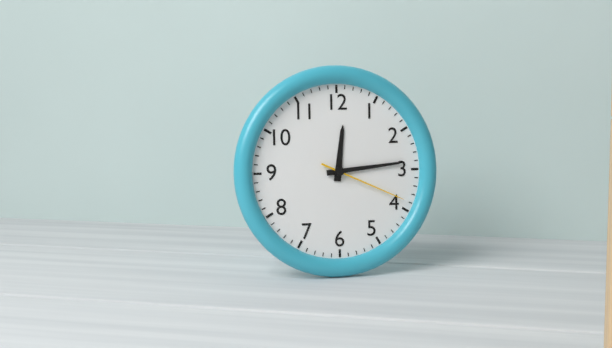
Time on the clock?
12:14:19
